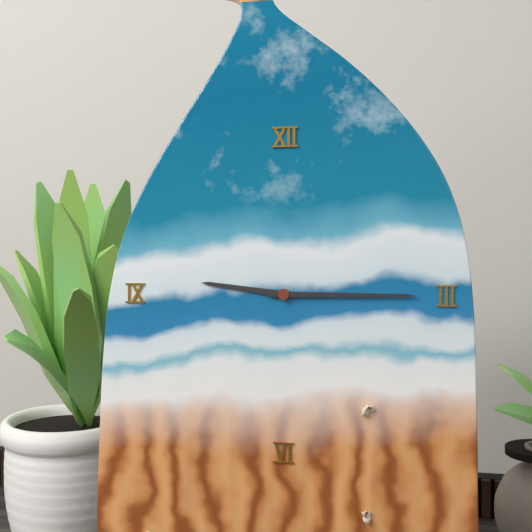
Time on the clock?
9:15
